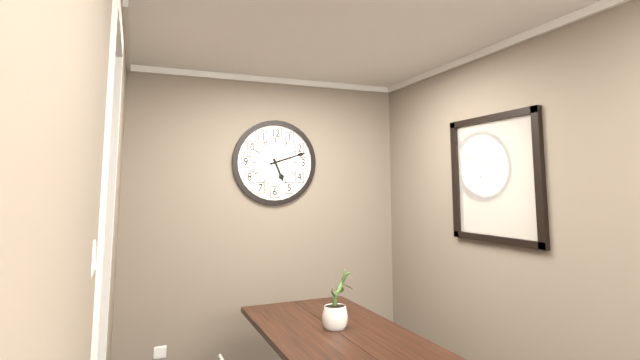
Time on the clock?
5:12
